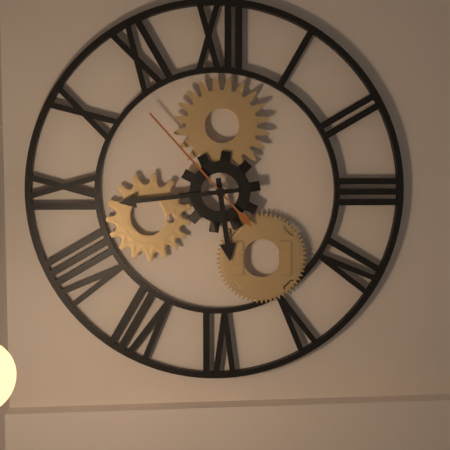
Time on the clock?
5:44:53
